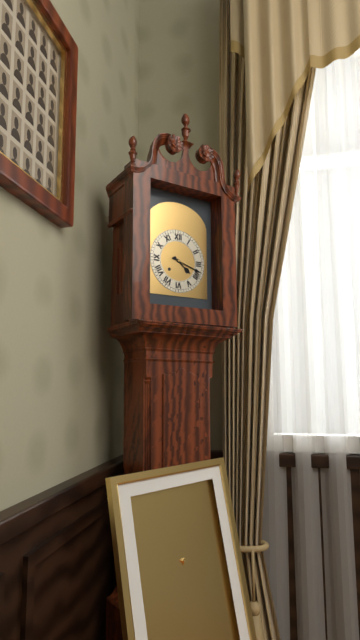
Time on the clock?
4:18
